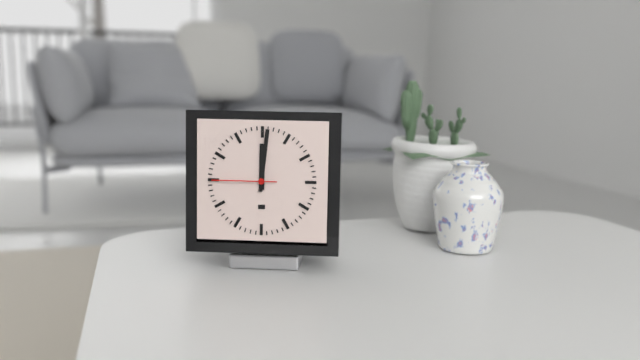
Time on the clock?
12:01:45
